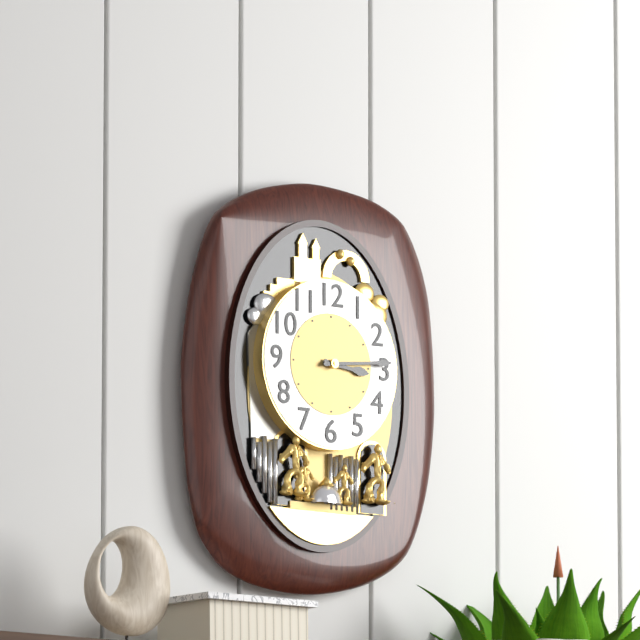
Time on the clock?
3:14
